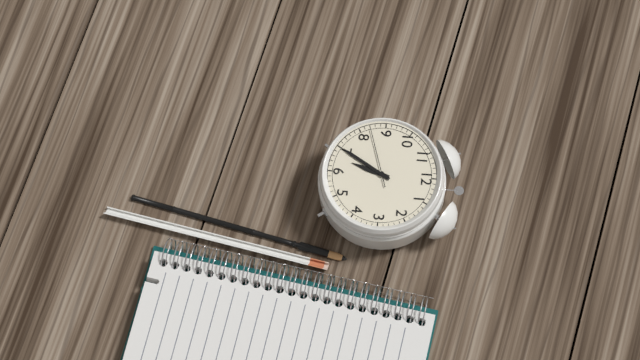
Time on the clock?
6:35:42
